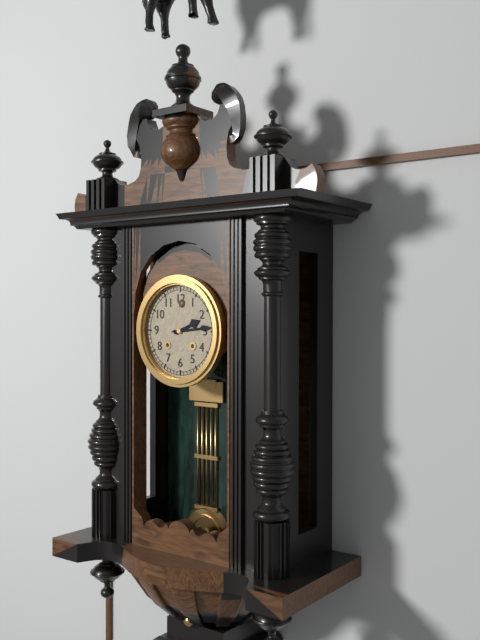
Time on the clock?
2:14
